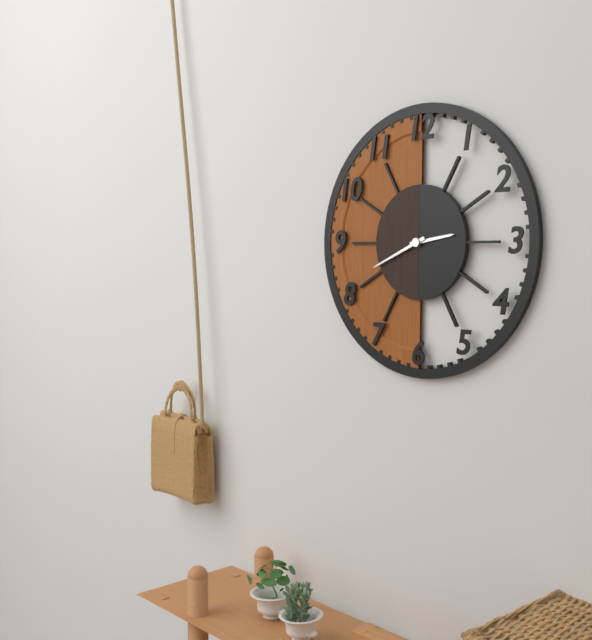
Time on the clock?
2:41
